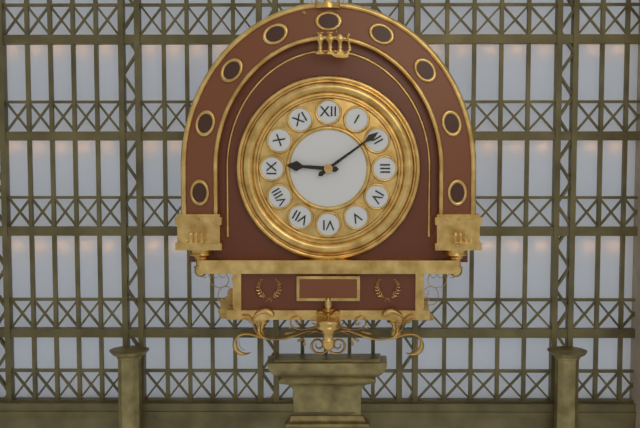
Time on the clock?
9:09
